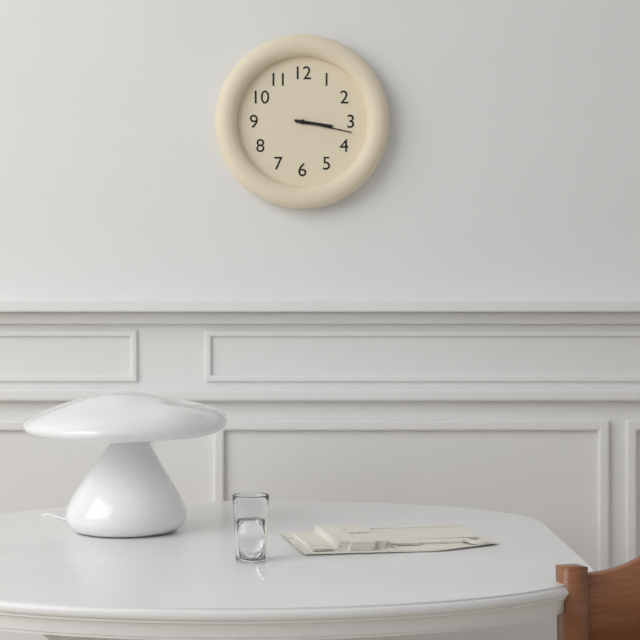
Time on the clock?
3:17
